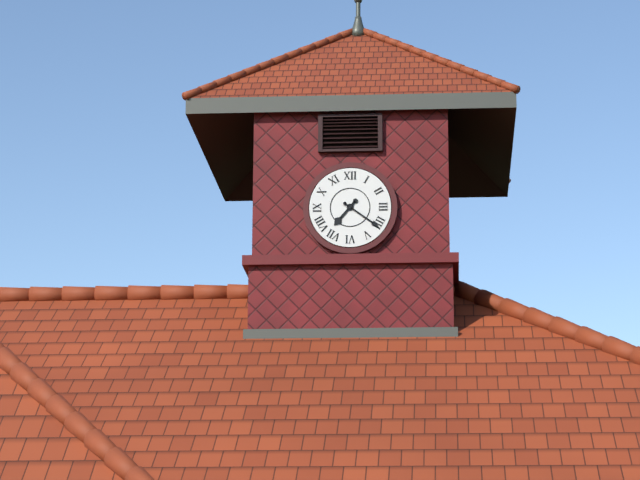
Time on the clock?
7:21
